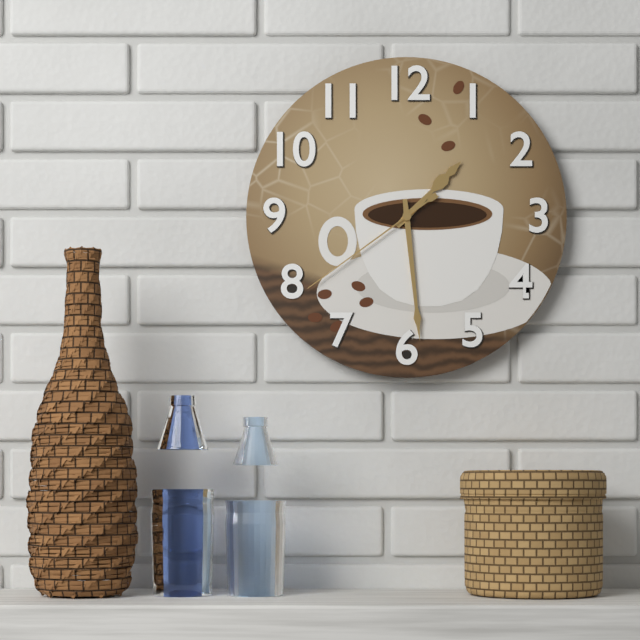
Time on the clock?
1:29:39
